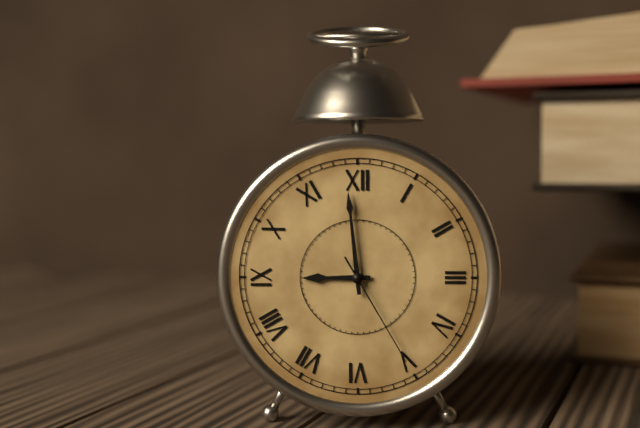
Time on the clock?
8:59:25
